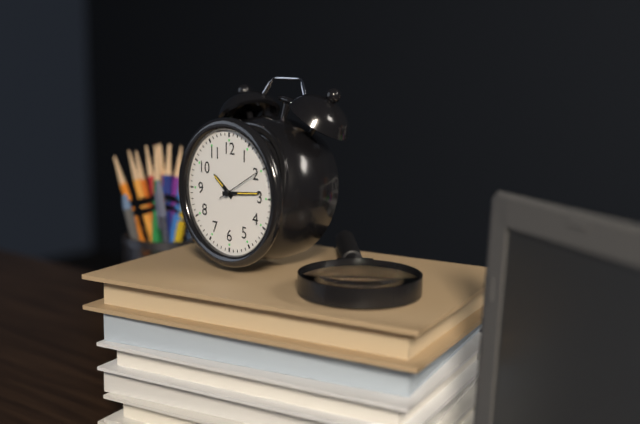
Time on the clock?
10:14
